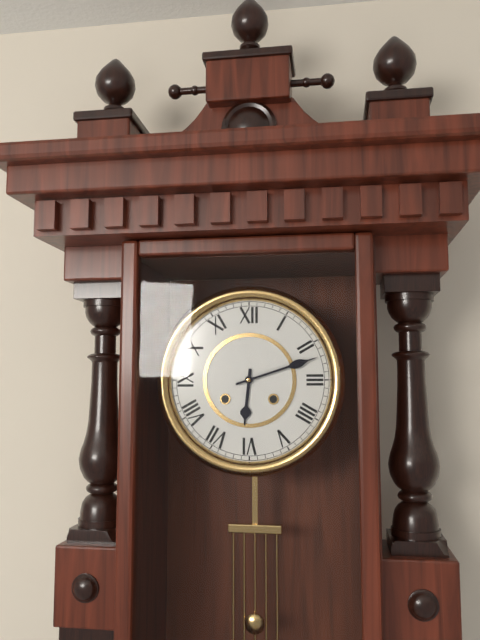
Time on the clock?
6:12
